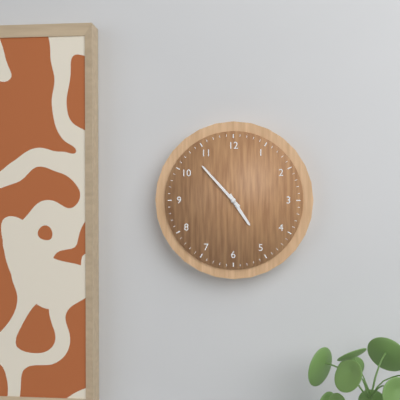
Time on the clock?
4:53
